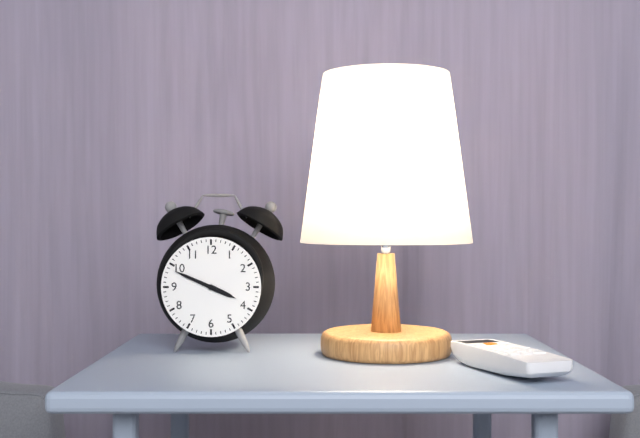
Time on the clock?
3:49
